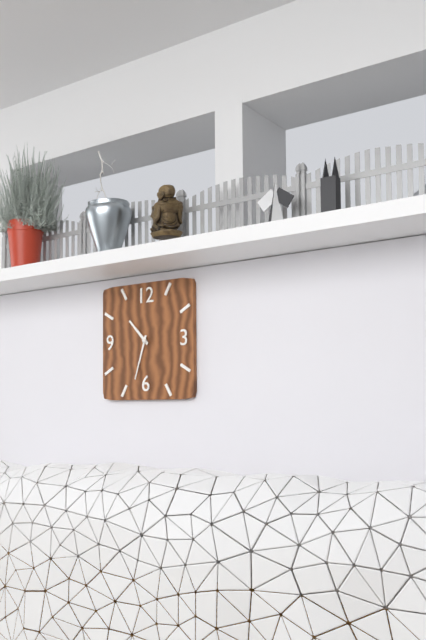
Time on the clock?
10:33
